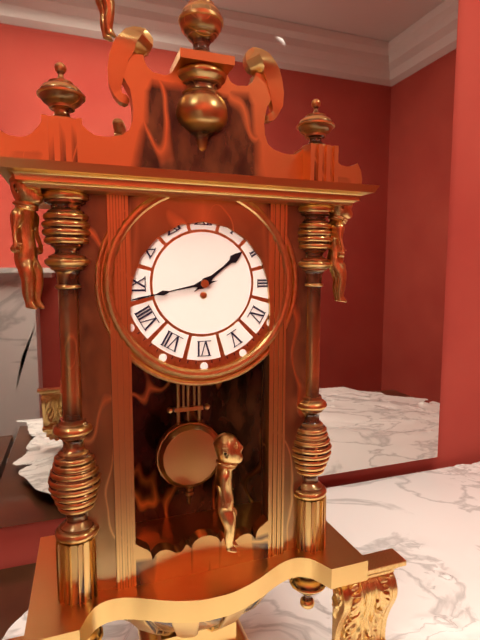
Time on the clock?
1:43
